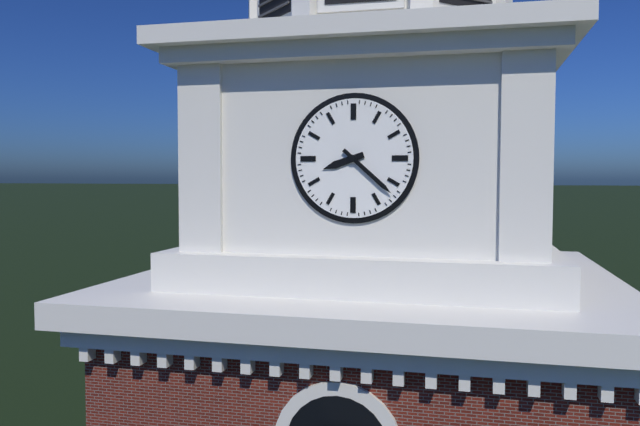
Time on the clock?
8:22
